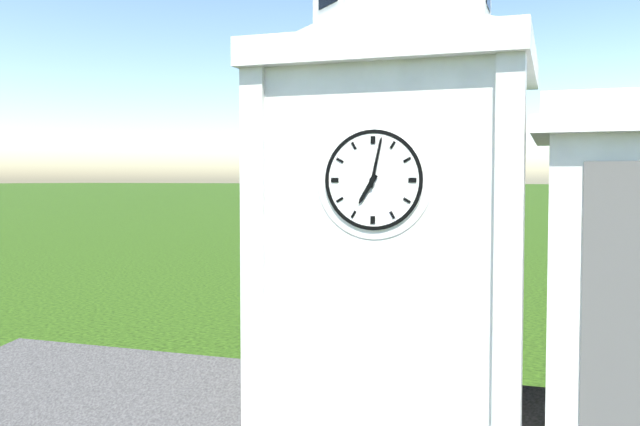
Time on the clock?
7:02
